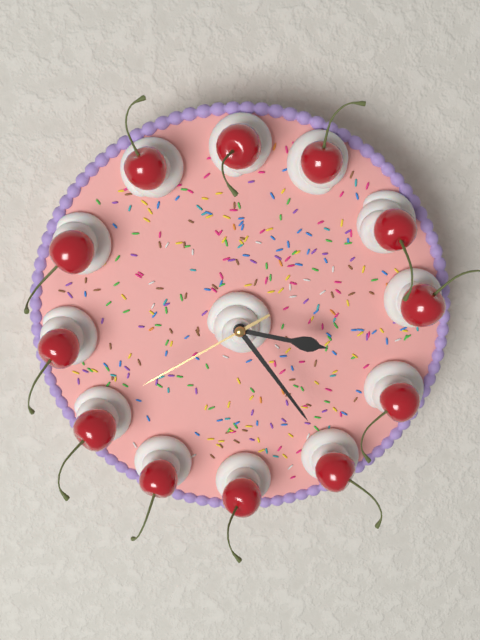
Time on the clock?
3:24:40
